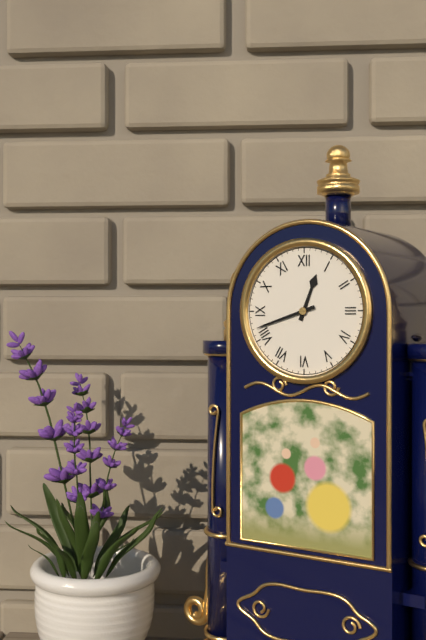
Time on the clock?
12:42
